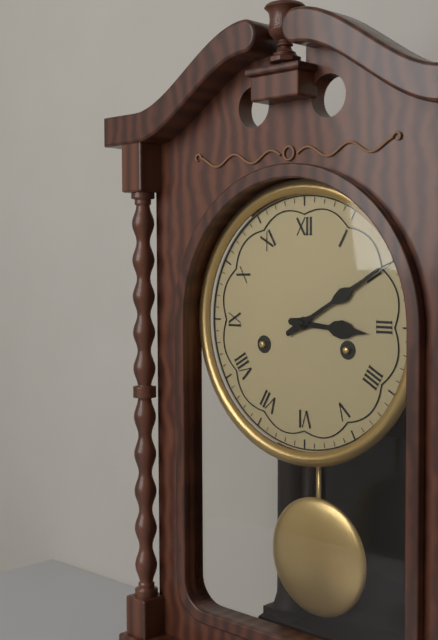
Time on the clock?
3:10
